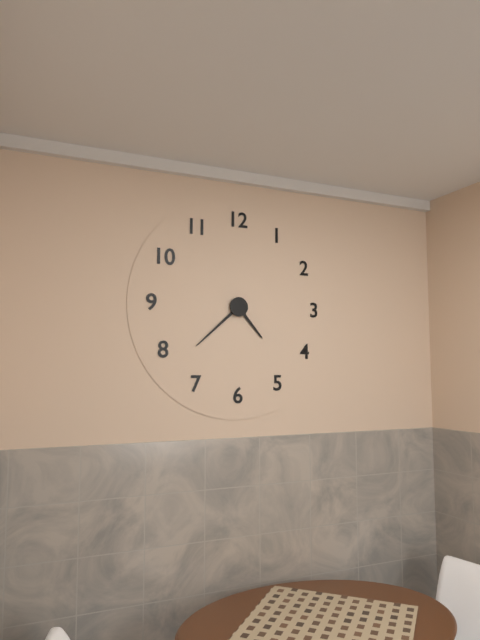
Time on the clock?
4:38
